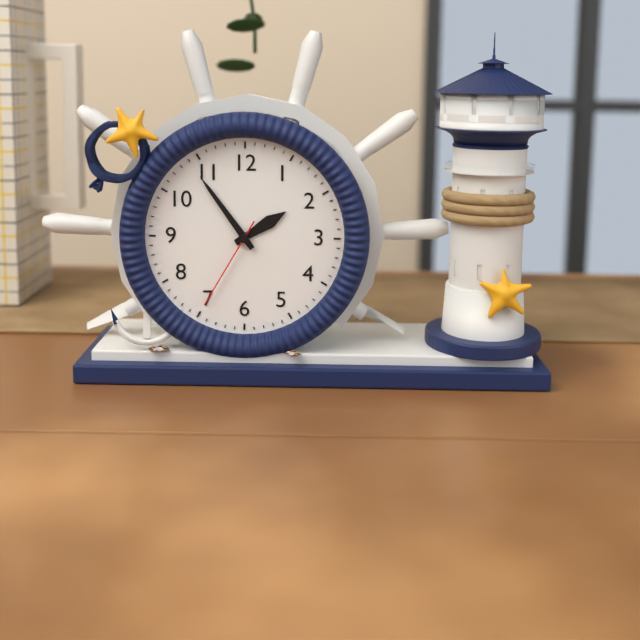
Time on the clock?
1:54:35
